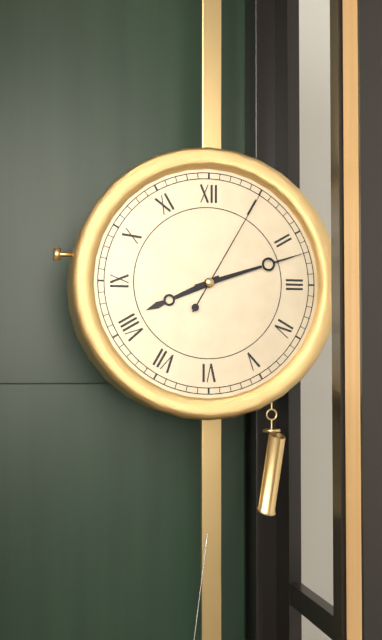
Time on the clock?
8:12:05
